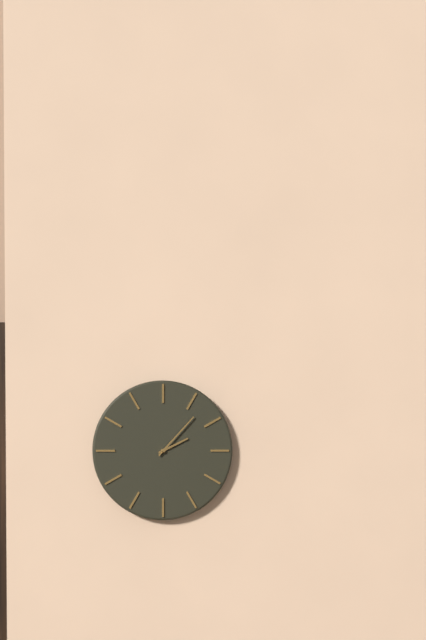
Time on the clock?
2:07
